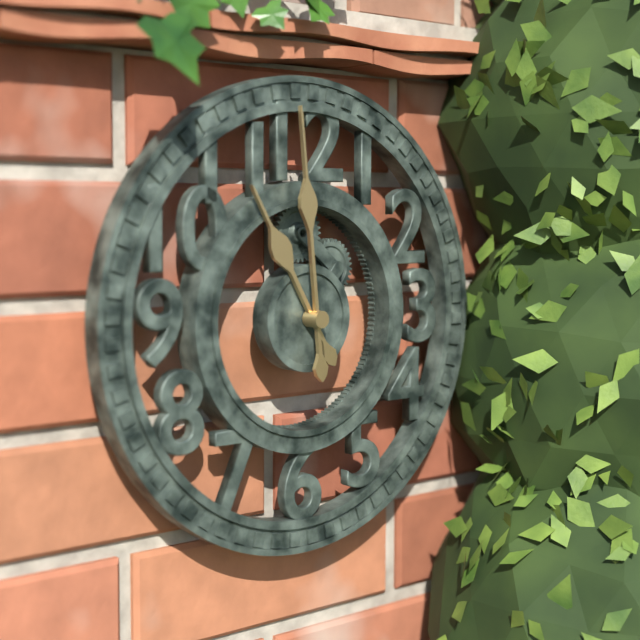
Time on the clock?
10:59
